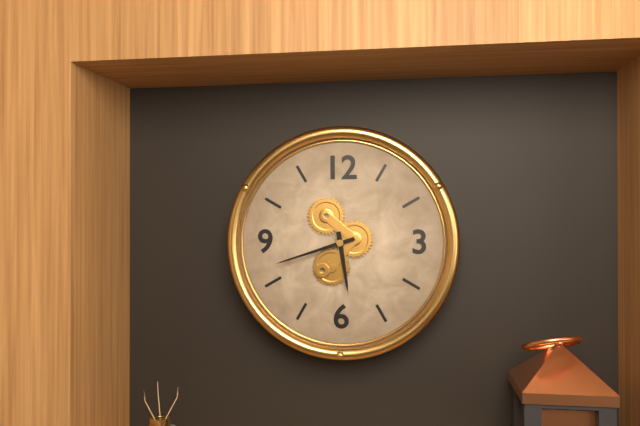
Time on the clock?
5:42
